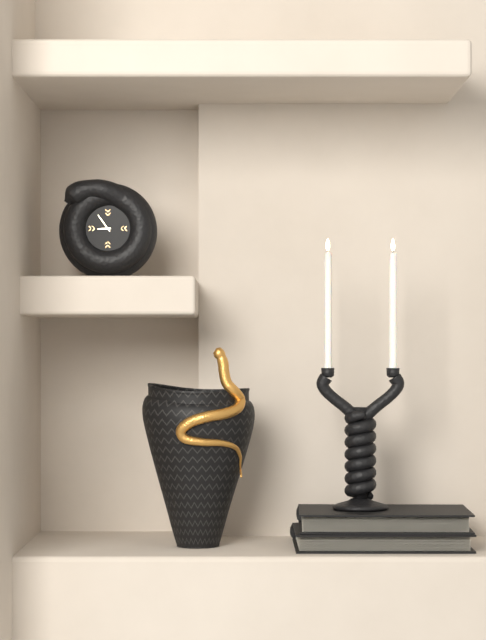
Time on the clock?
8:54
